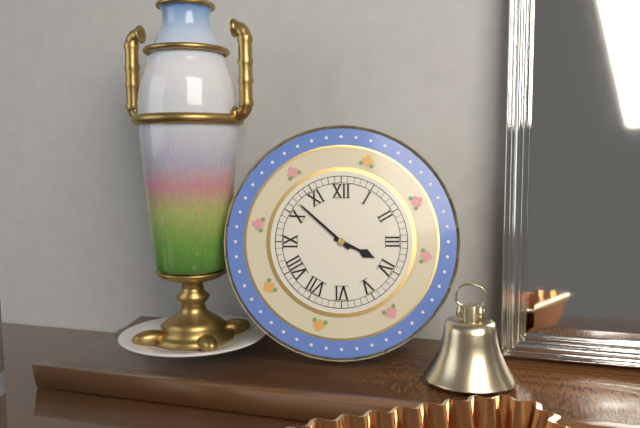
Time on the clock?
3:52
